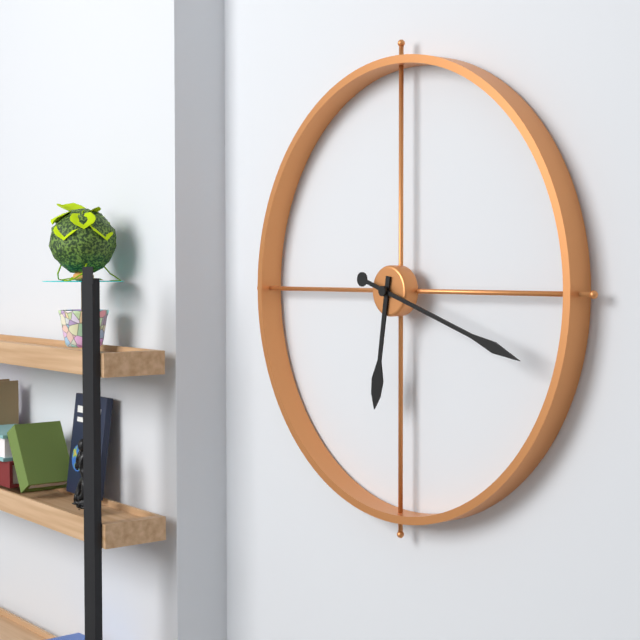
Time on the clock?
6:18
